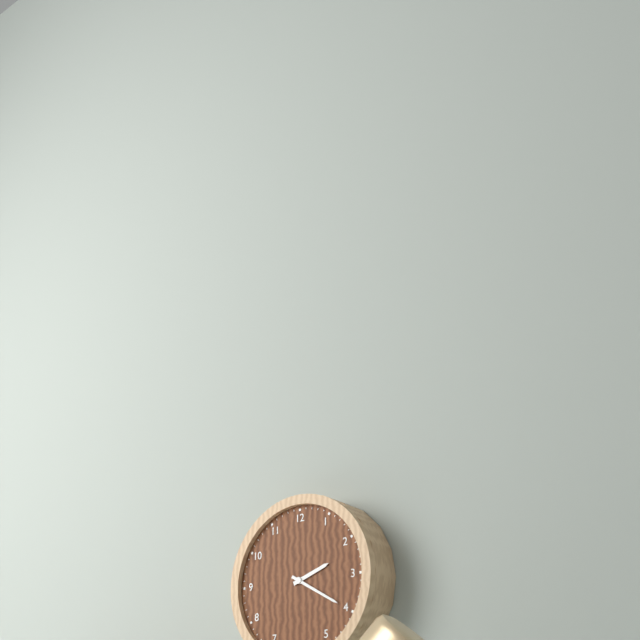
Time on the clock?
2:20
